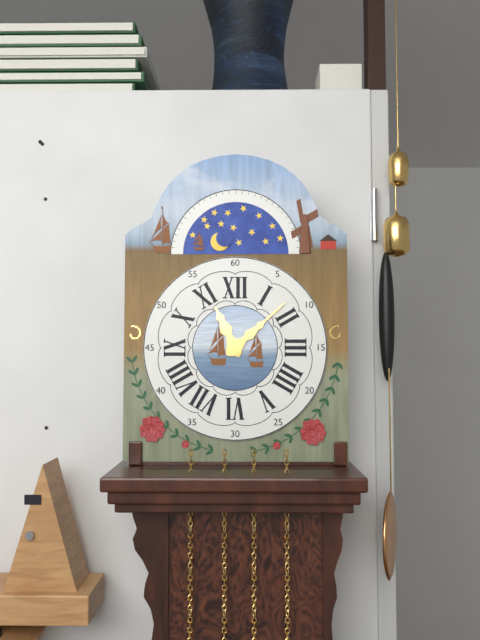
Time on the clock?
11:08
